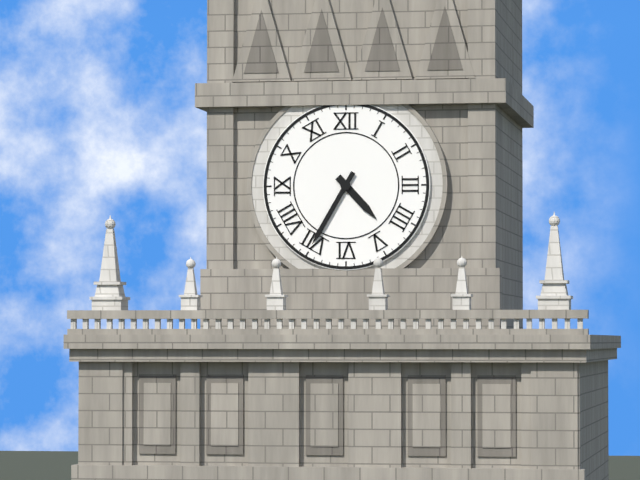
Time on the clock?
4:35
